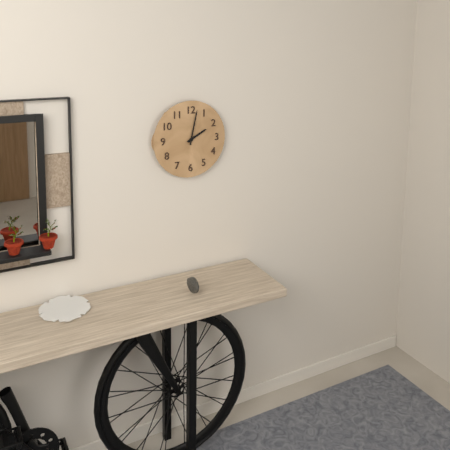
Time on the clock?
2:02
